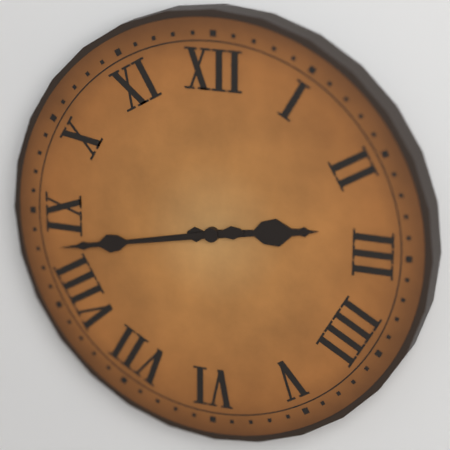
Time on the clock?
2:43
